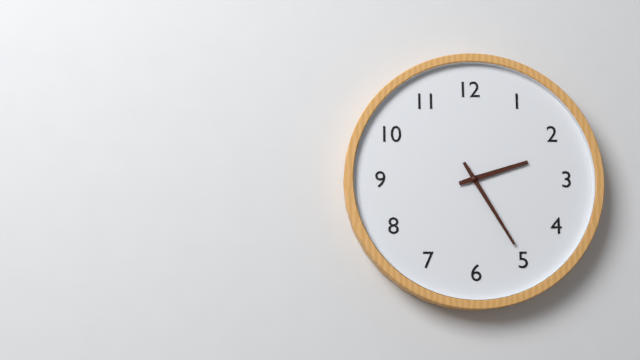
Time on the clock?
2:25
